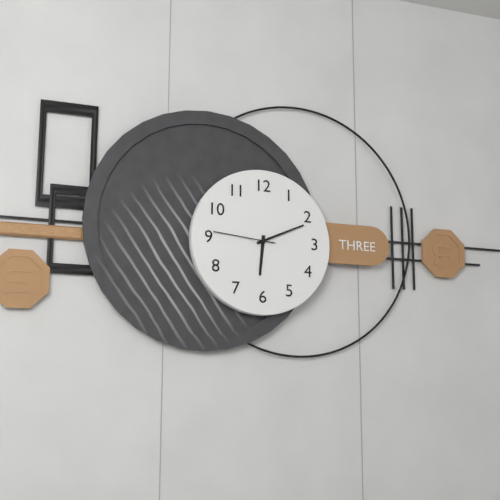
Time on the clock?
6:11:46
